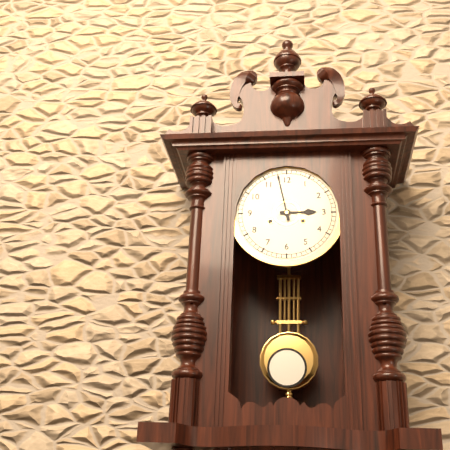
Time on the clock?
2:58
